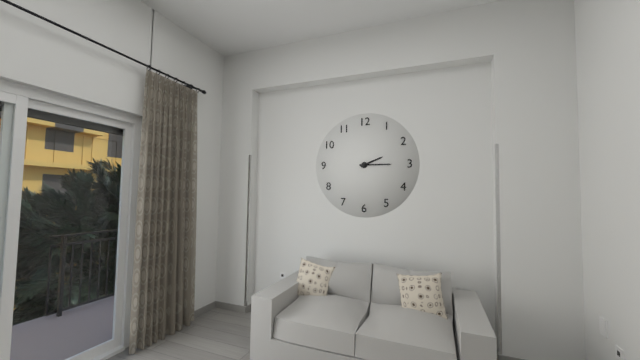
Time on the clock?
2:15
